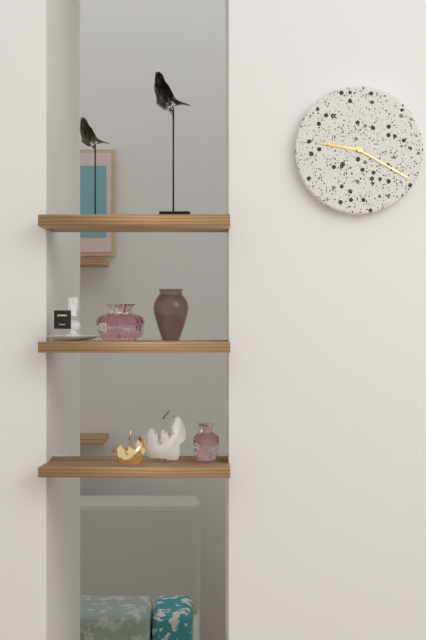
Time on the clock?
9:20
